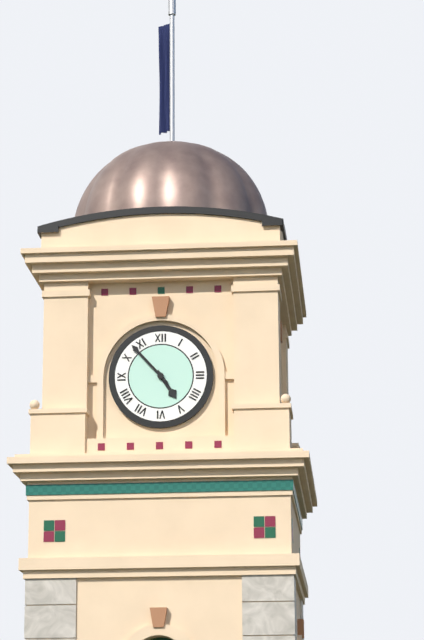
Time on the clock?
4:53
